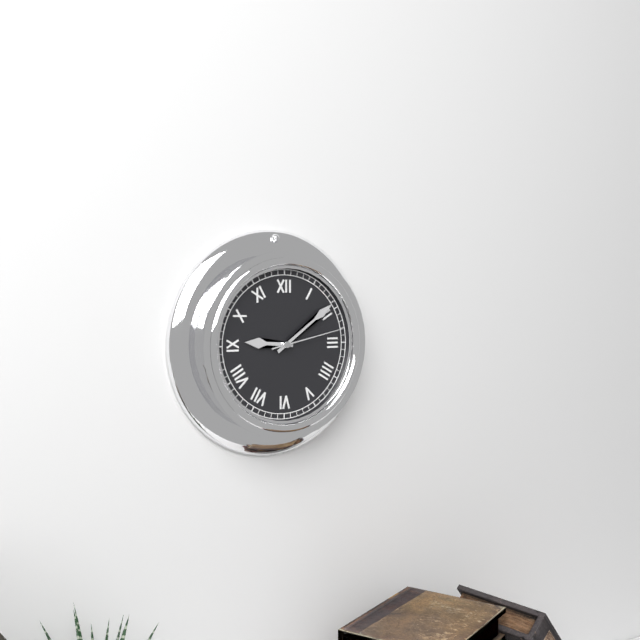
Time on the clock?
9:09:13
